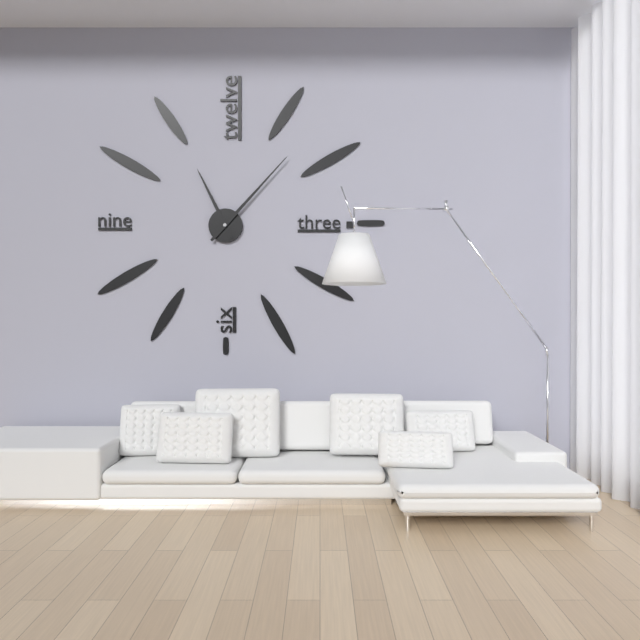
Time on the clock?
11:07
